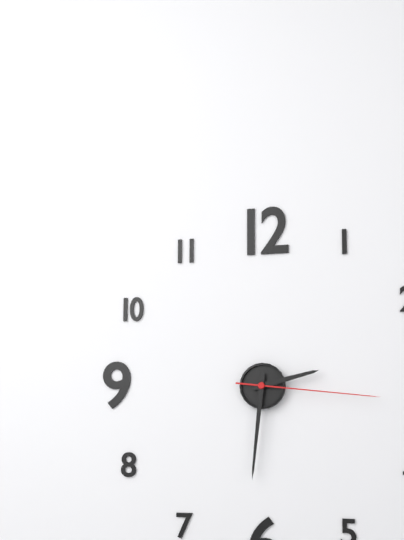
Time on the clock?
2:31:16
